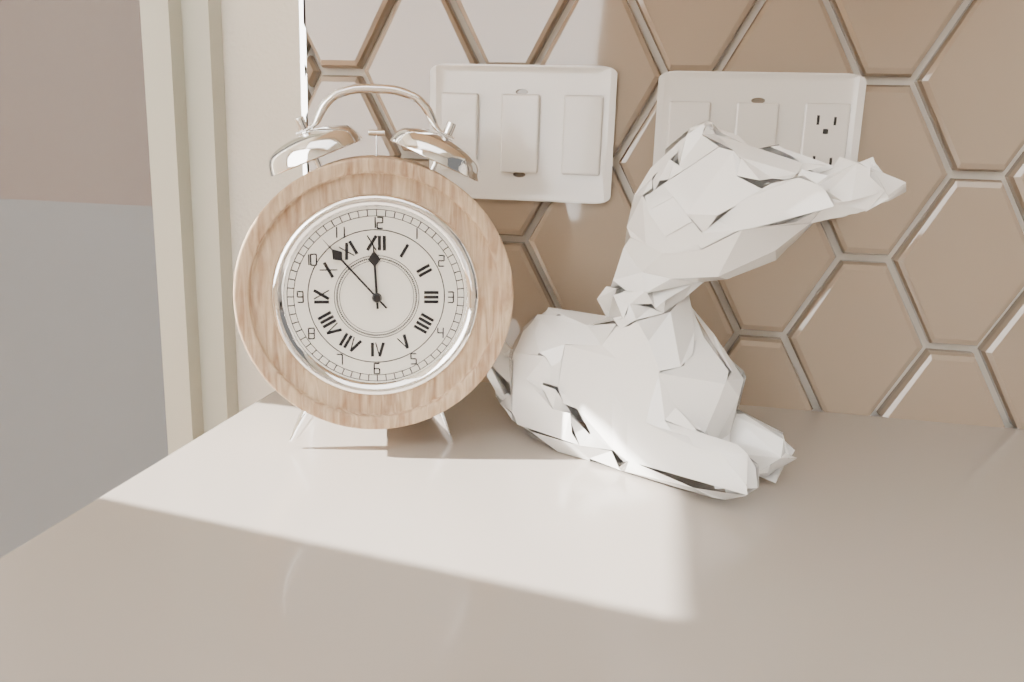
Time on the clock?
11:53
